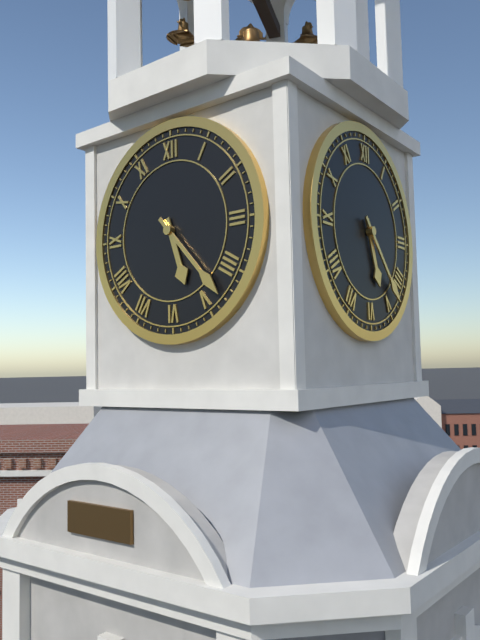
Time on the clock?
5:23
